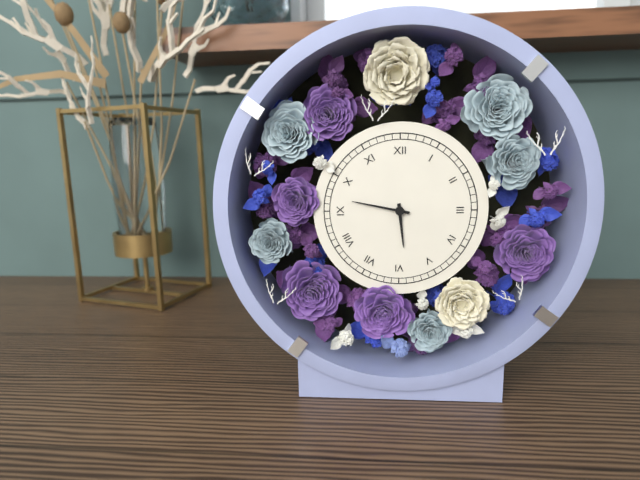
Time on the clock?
5:47
